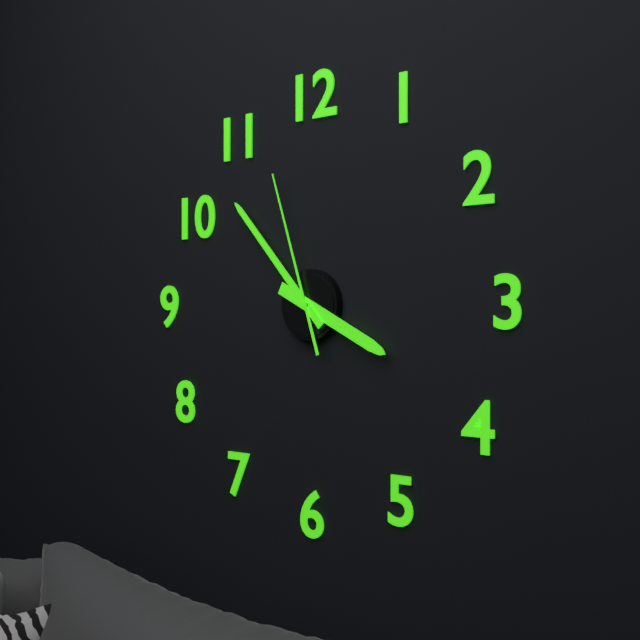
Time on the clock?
3:53:57
